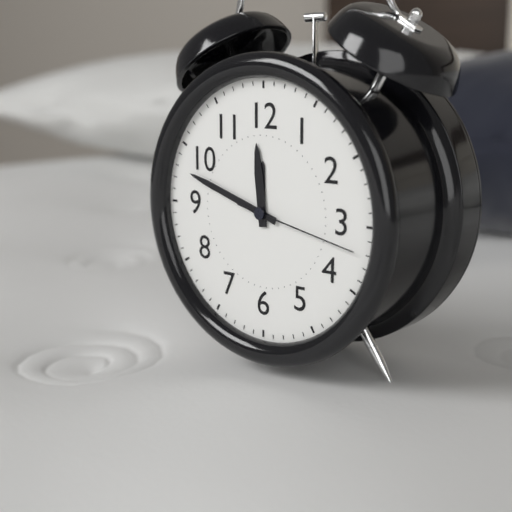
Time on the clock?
11:48:17
